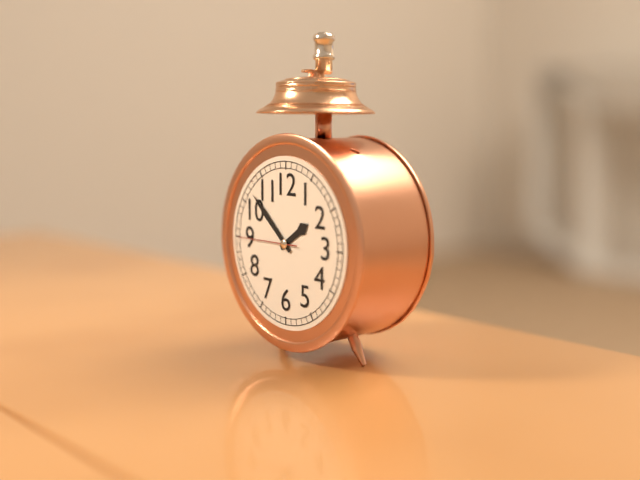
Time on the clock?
1:52:45
